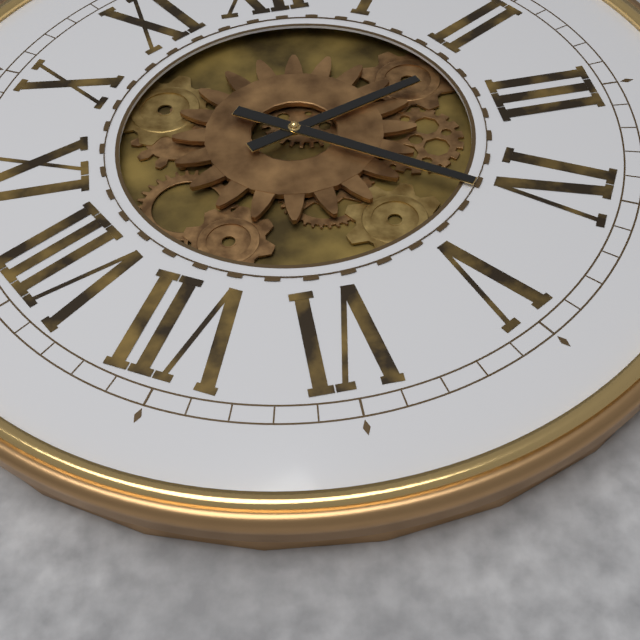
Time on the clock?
2:21
